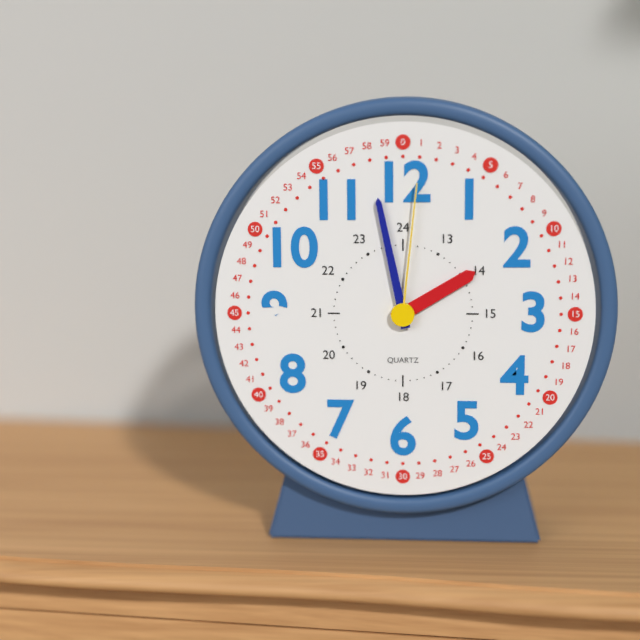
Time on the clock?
1:58:01
